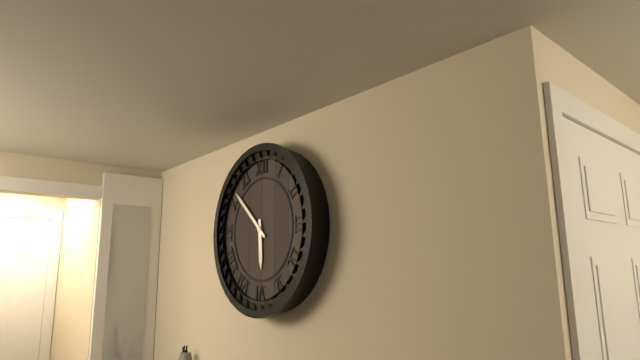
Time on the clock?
5:52
